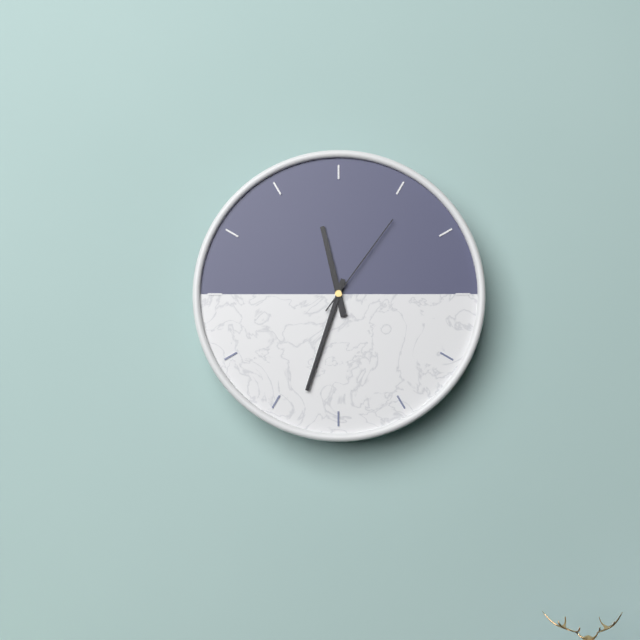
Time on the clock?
11:33:06
